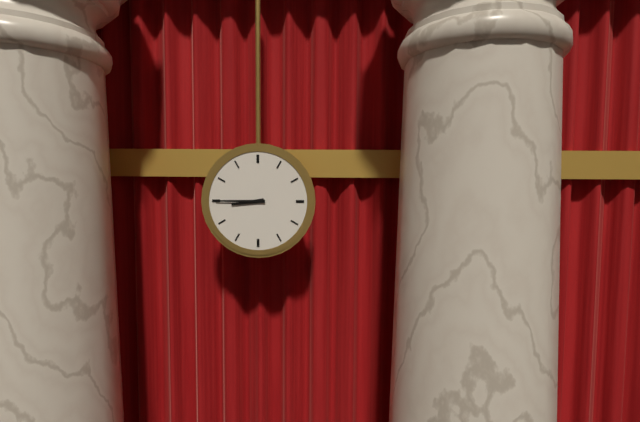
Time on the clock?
8:45
